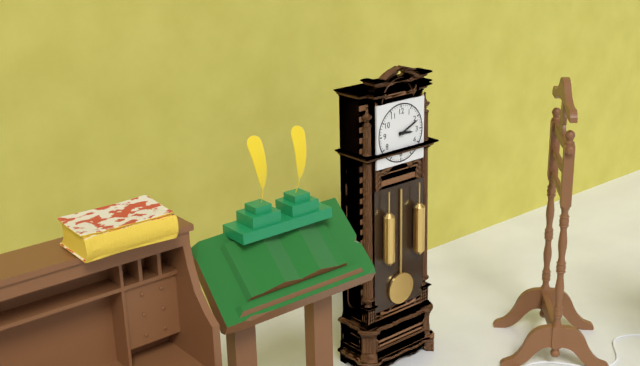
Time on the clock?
3:11
